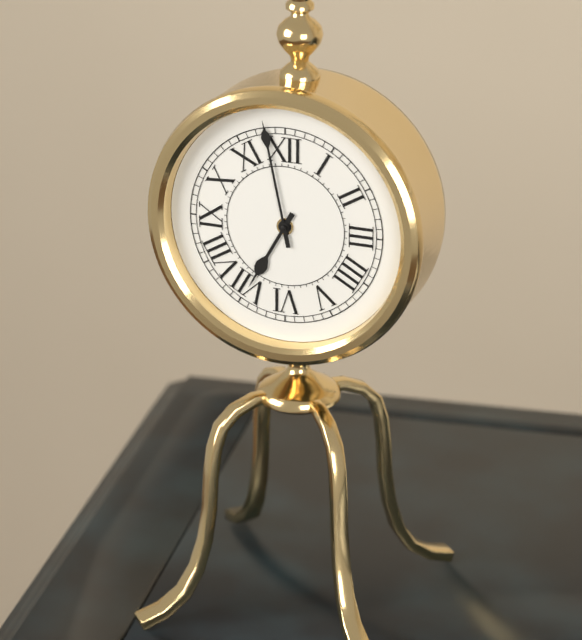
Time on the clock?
6:58
